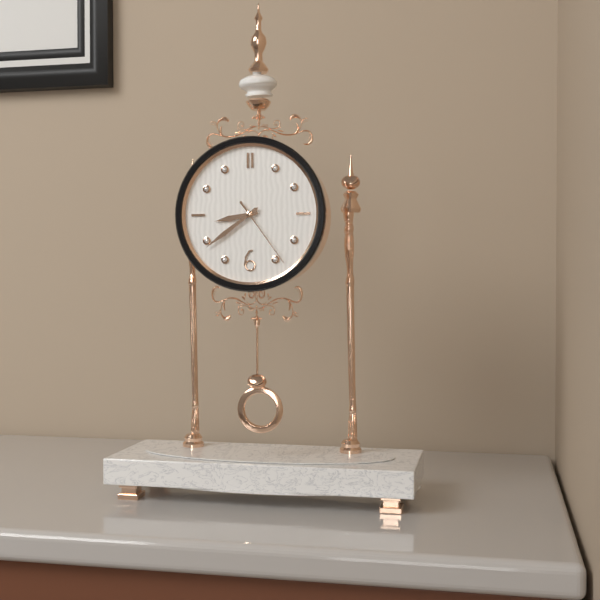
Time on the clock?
8:39:24
